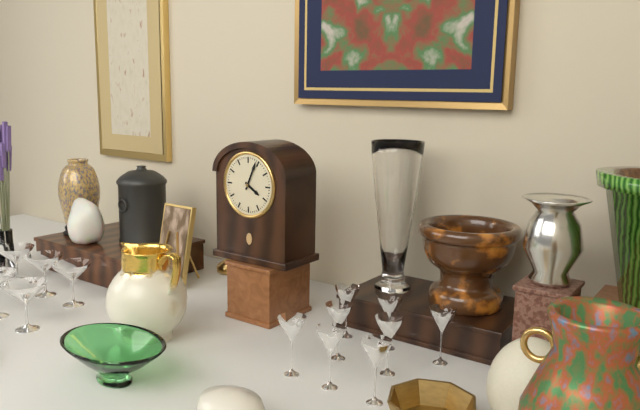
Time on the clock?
4:04
